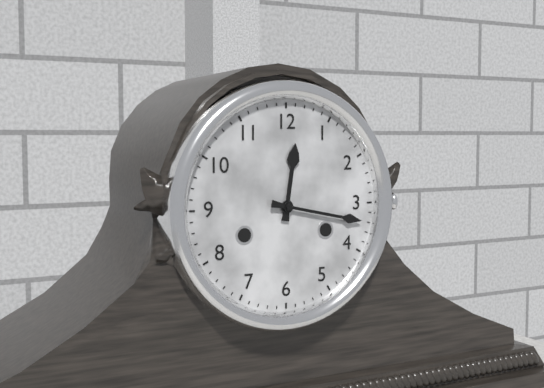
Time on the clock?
12:17
